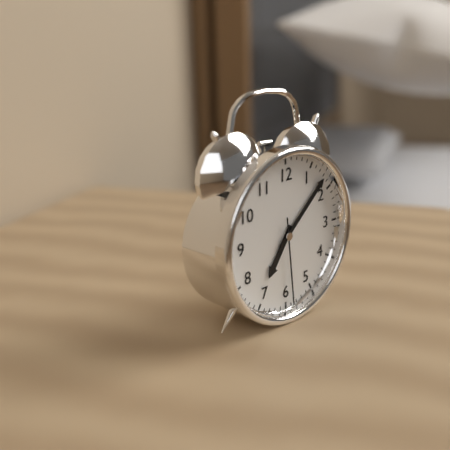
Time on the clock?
7:08:29
